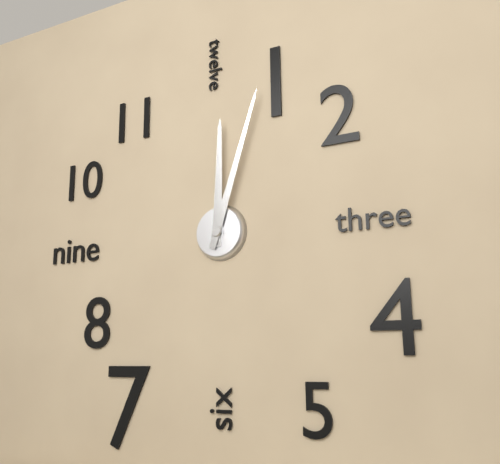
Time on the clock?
12:03
